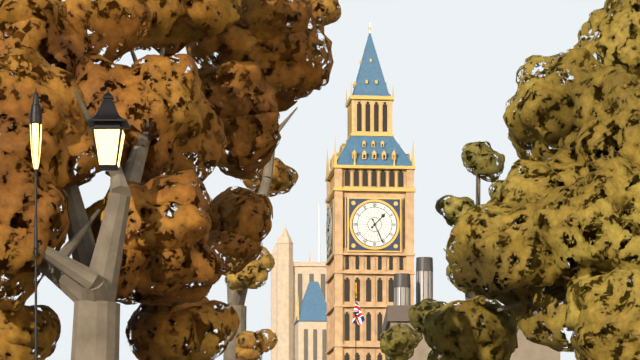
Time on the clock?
1:26
